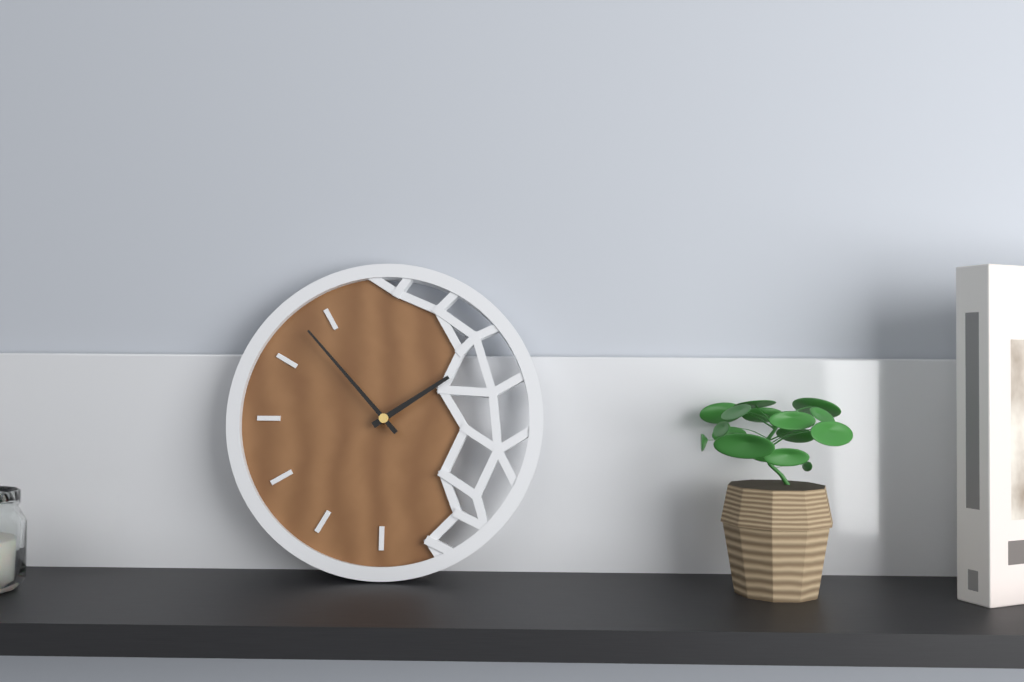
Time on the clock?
1:53
